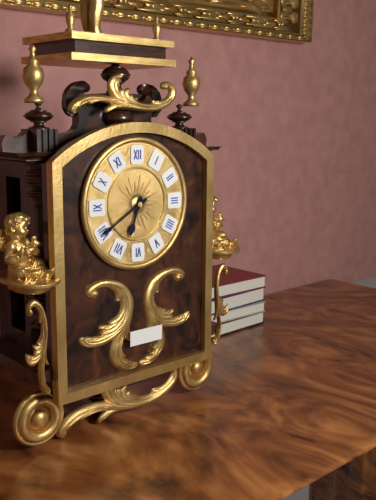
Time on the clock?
6:40
